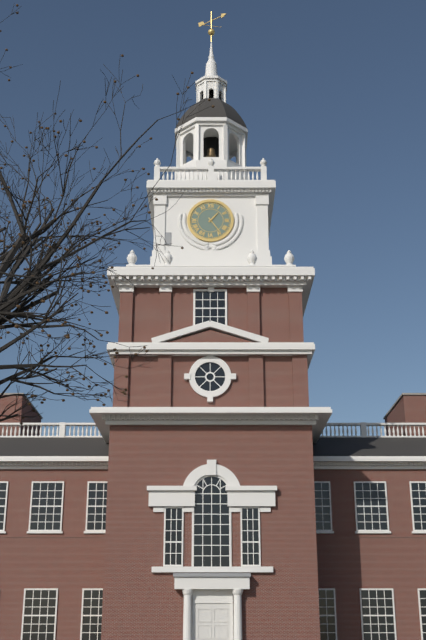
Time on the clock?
1:24
